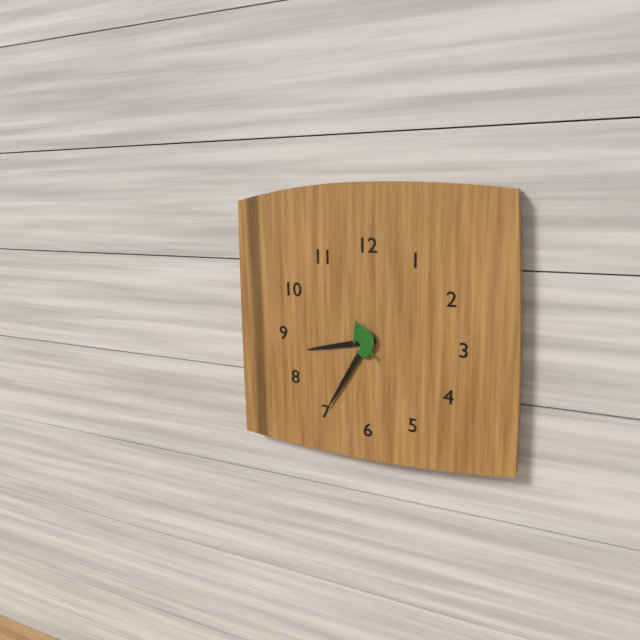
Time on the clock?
8:35
